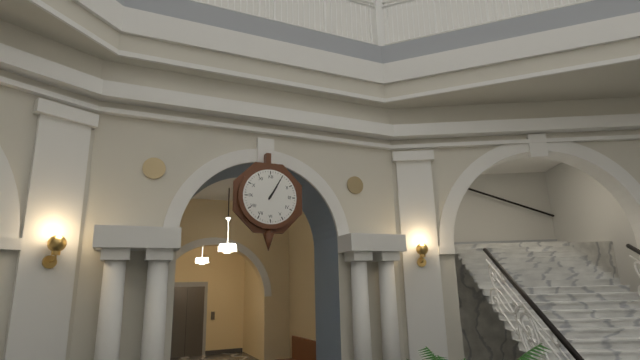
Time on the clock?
1:05
